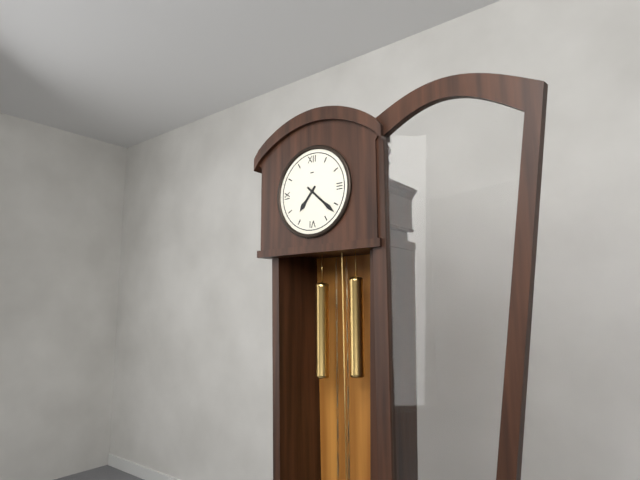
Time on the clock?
7:22
